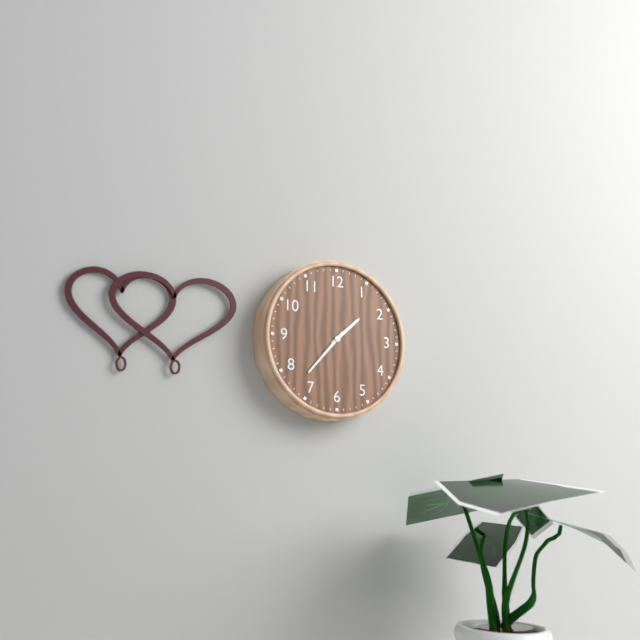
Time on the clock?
1:37
